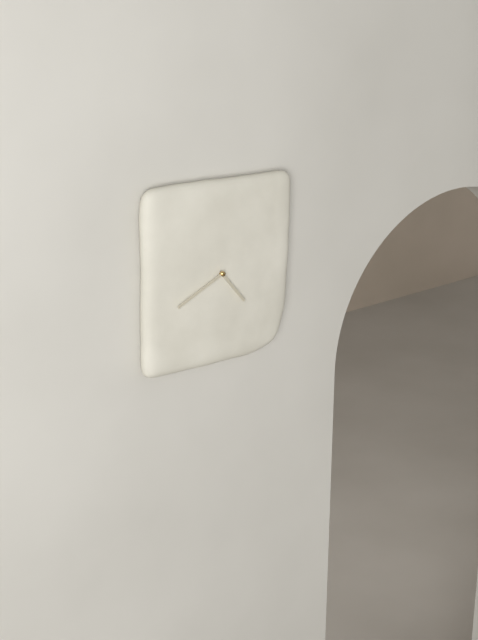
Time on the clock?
4:41
